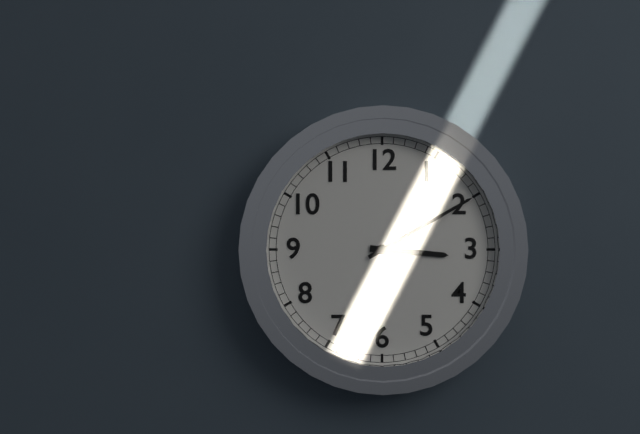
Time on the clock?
3:10
